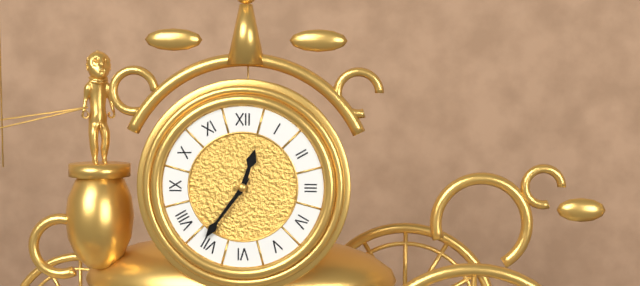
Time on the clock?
12:36
